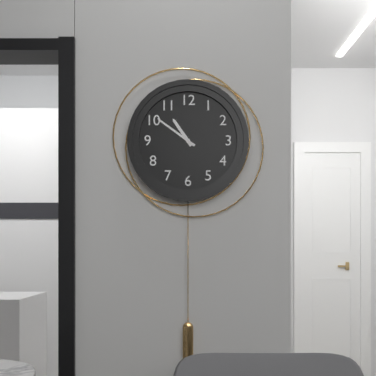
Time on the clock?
10:51
